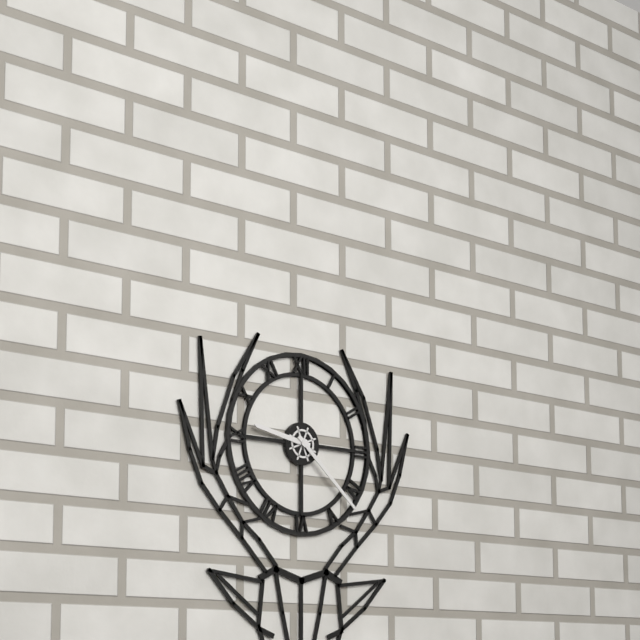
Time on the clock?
9:22
